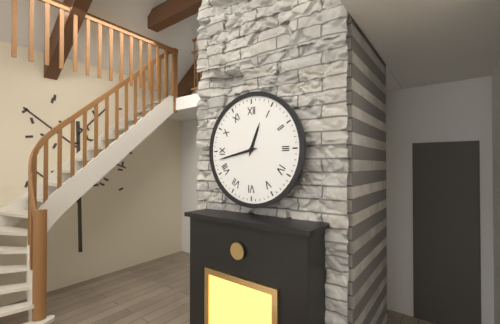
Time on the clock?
12:43
